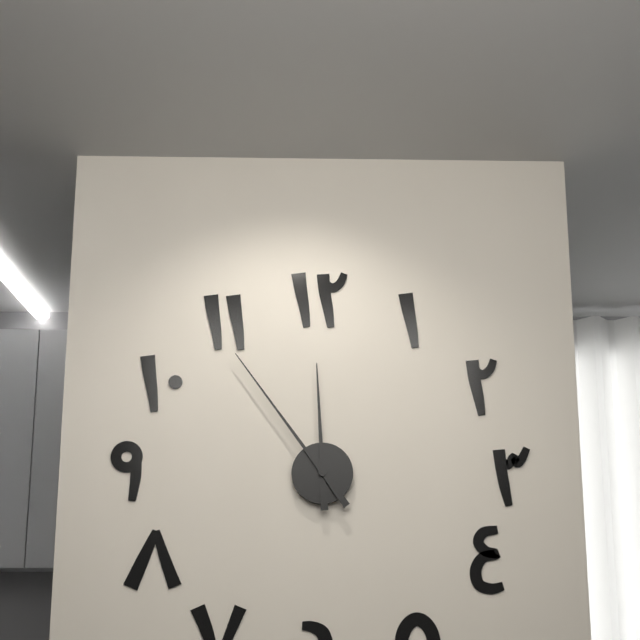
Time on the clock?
11:54
